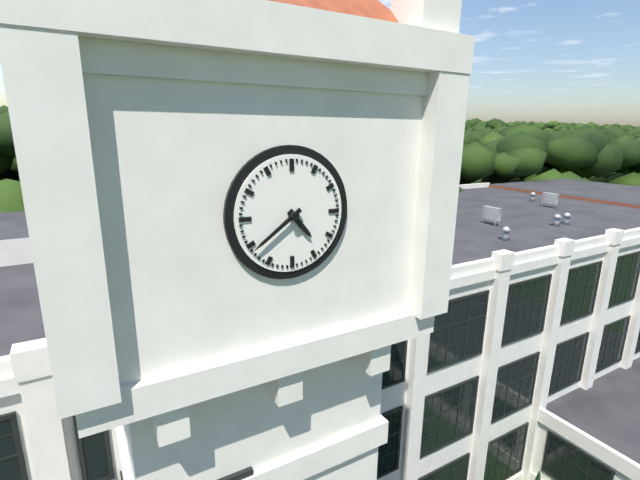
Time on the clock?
4:39
